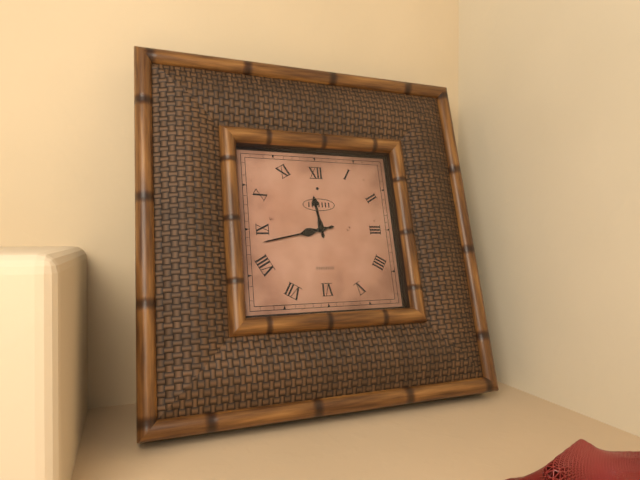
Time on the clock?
11:43
